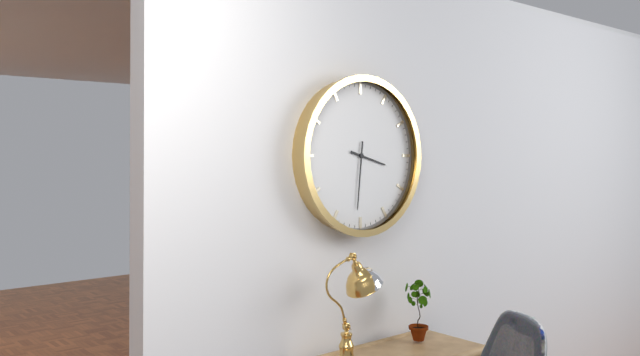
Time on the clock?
3:31
